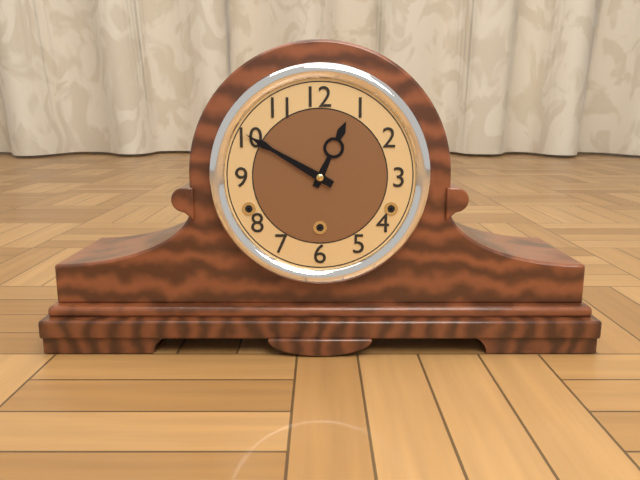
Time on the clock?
12:50
